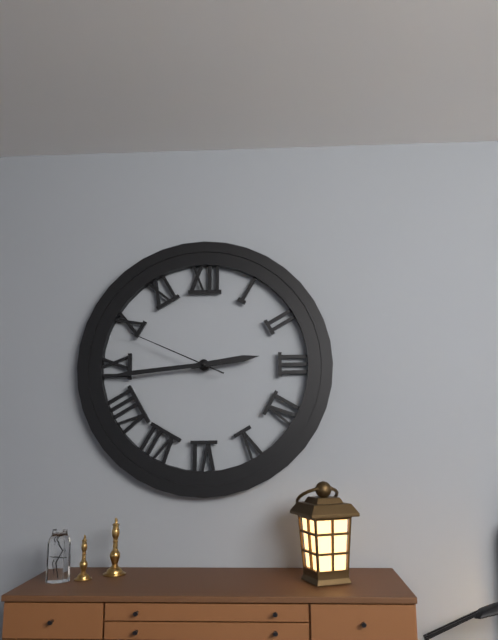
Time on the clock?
2:44:49
